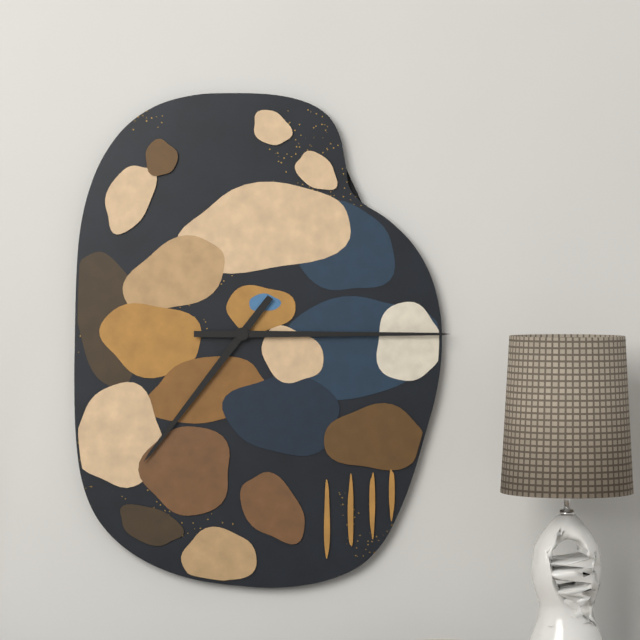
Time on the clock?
7:15
